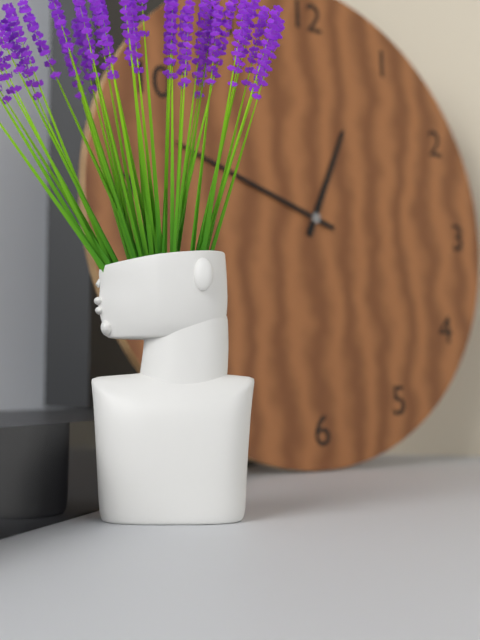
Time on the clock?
12:48
